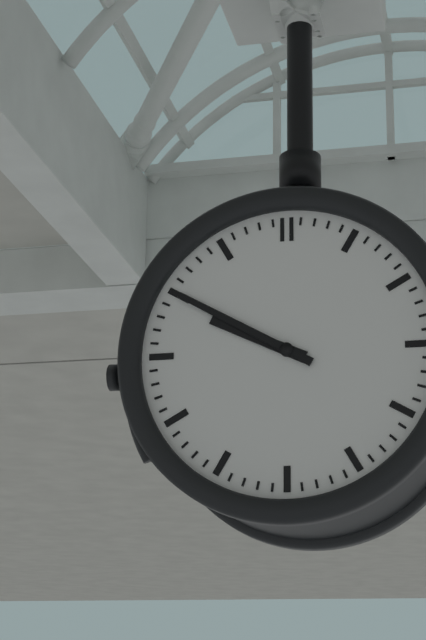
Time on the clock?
9:50
